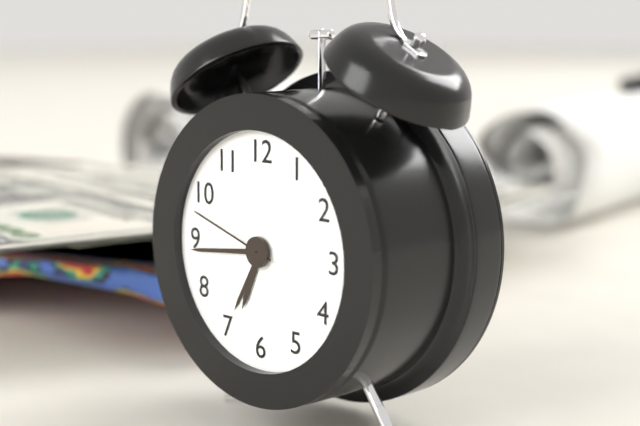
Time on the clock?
6:44:48
